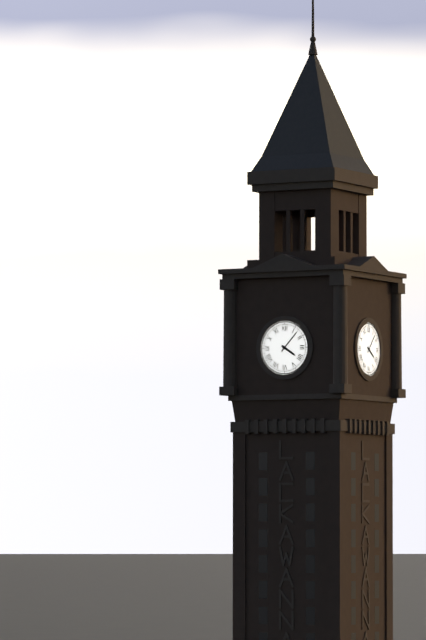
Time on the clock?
4:07
